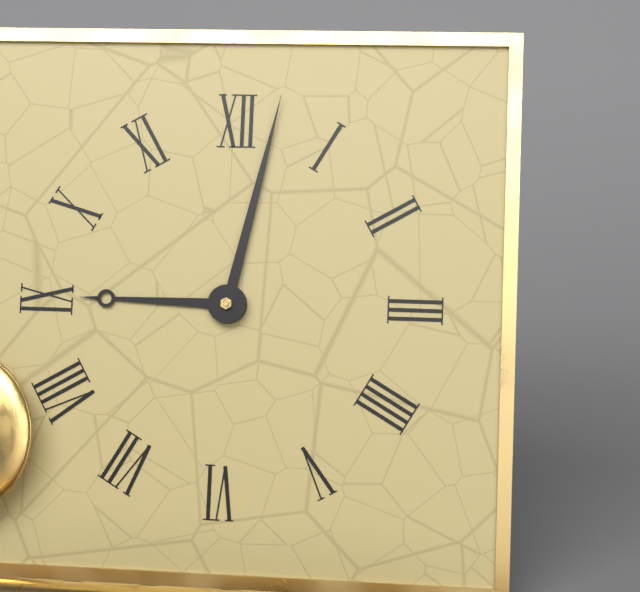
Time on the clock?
9:02
